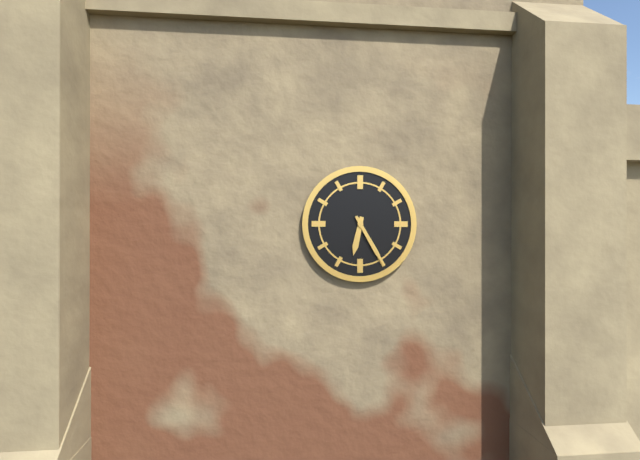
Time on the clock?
6:25
